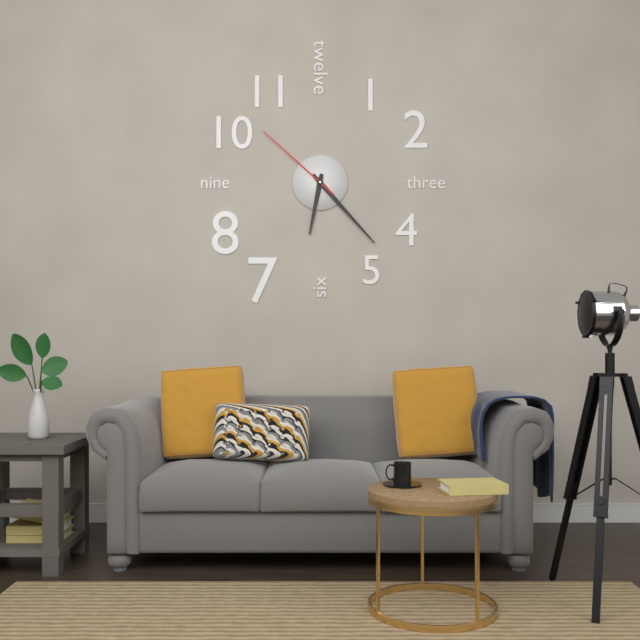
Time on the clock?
6:23:52
